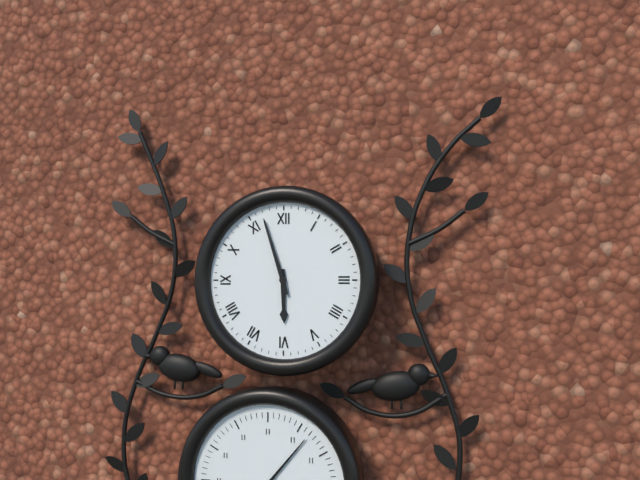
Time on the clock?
5:57
